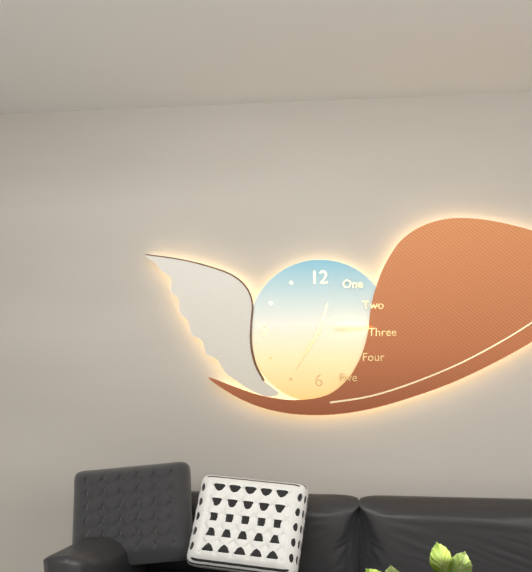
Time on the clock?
12:35
